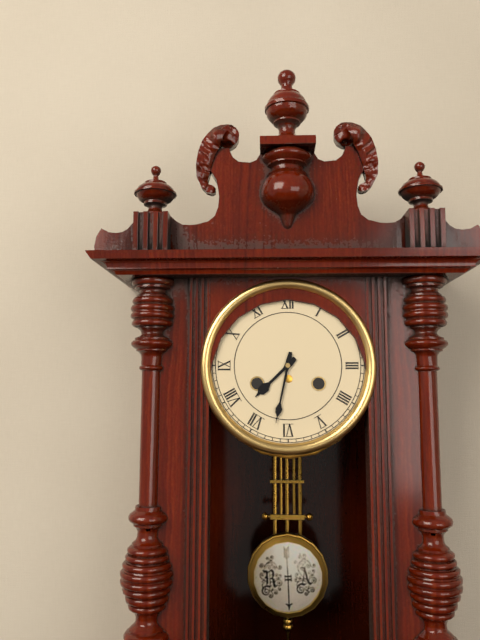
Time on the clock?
7:32
